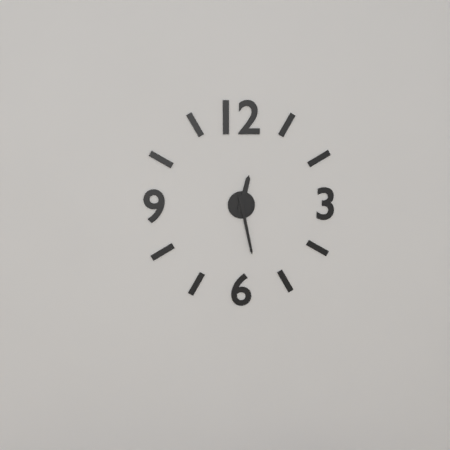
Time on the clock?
12:28
